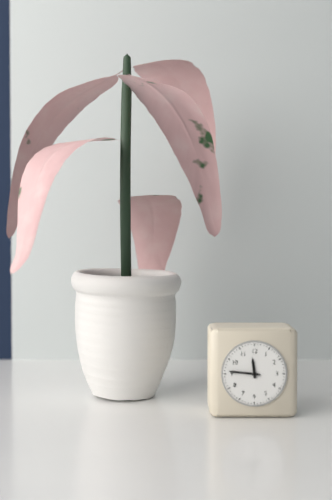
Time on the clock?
11:46
